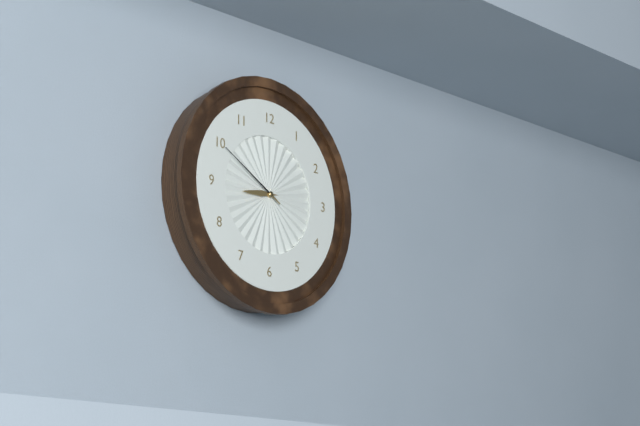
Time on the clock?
8:50
